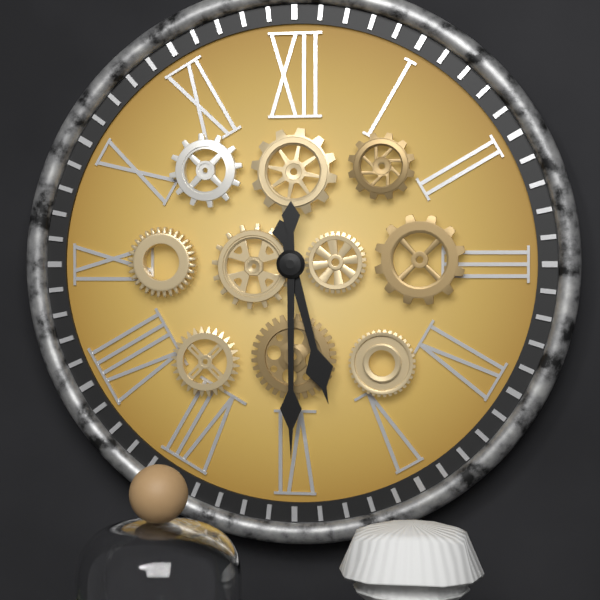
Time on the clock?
5:30
